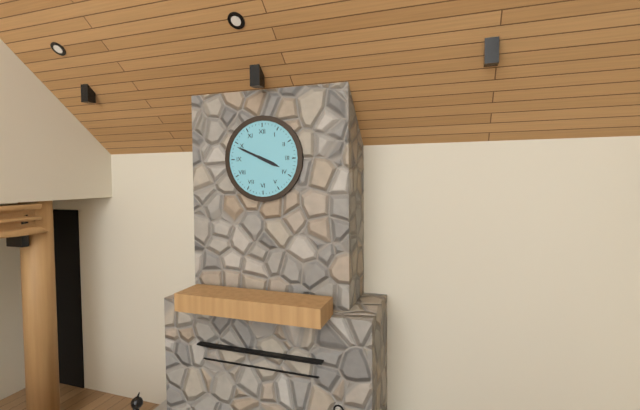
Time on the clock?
3:49
